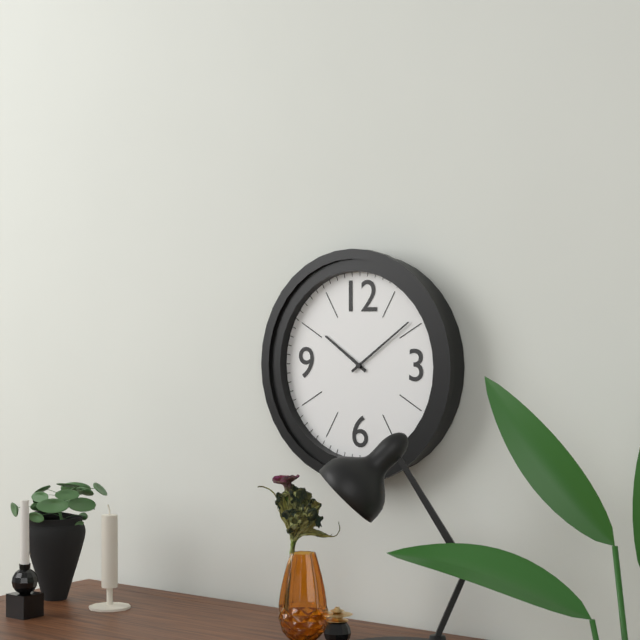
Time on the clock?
10:09
